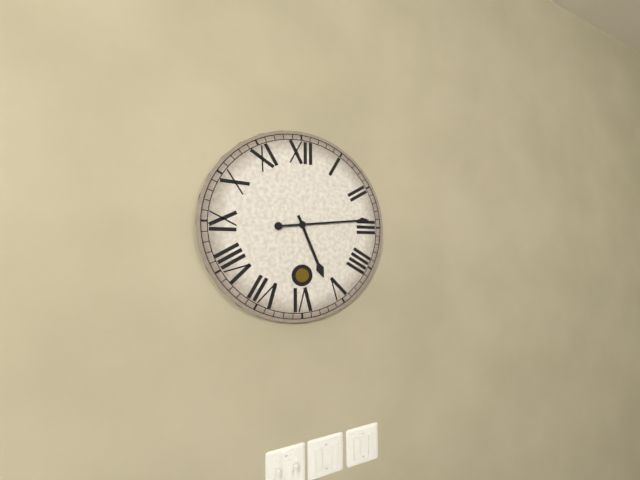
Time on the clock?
5:14
